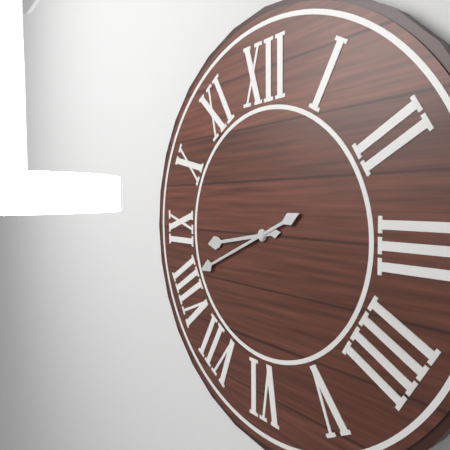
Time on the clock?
8:41
